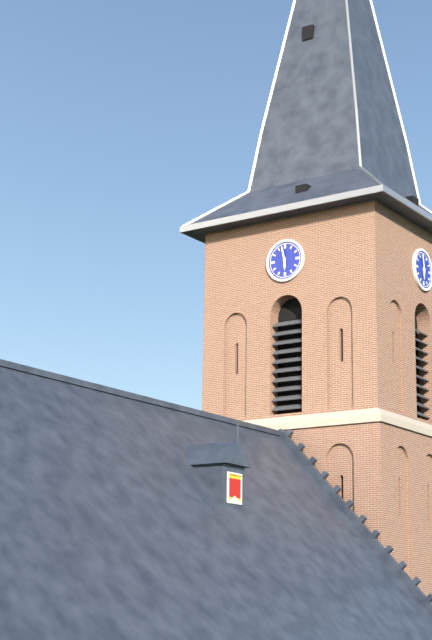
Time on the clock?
5:58
